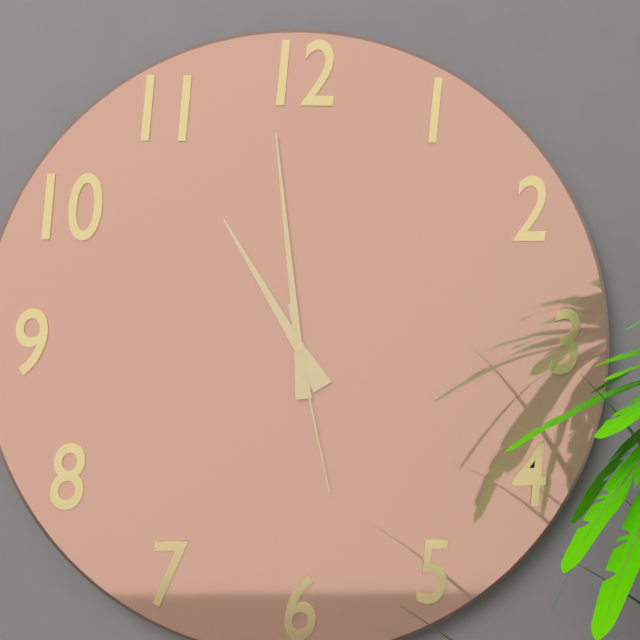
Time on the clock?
10:59:28
